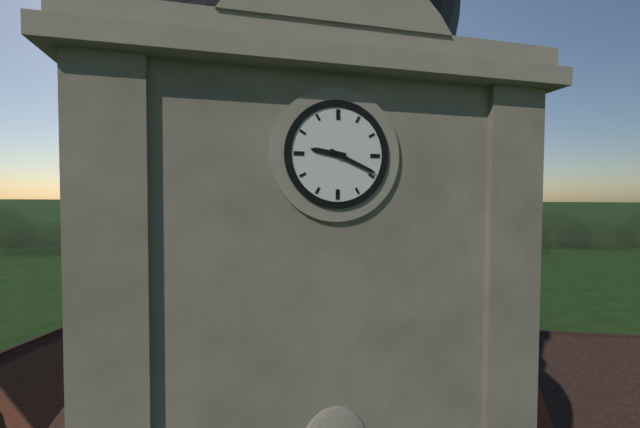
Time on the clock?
9:19
